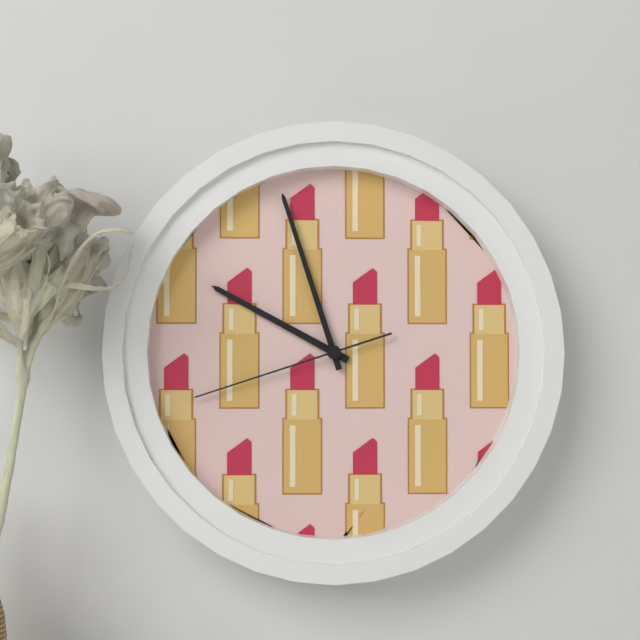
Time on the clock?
9:57:42
